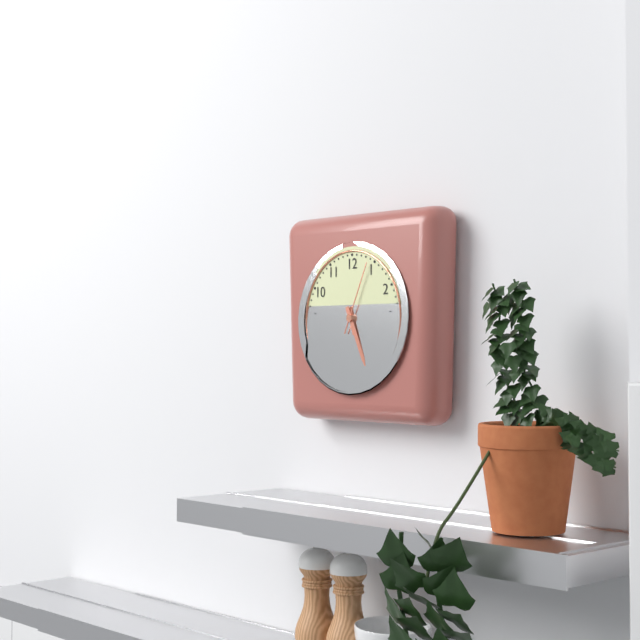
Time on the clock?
5:26:04
